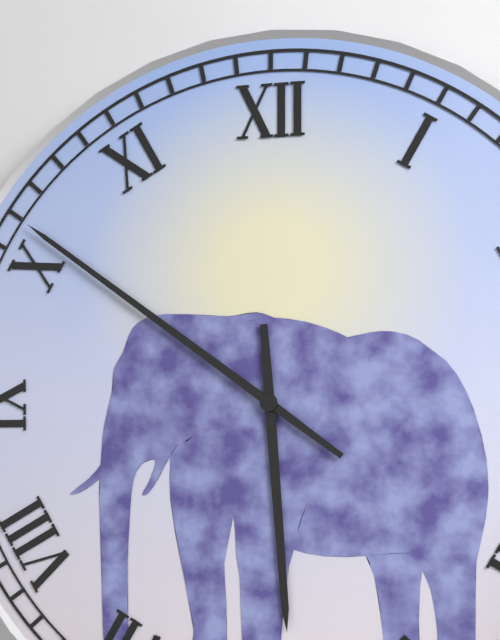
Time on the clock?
5:51
